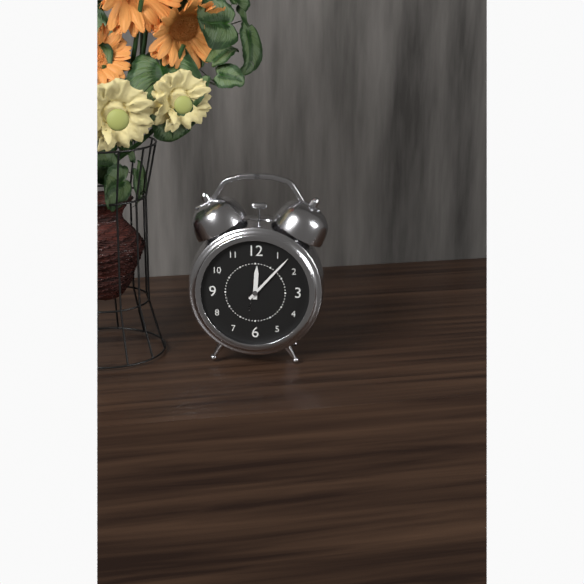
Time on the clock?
12:07
